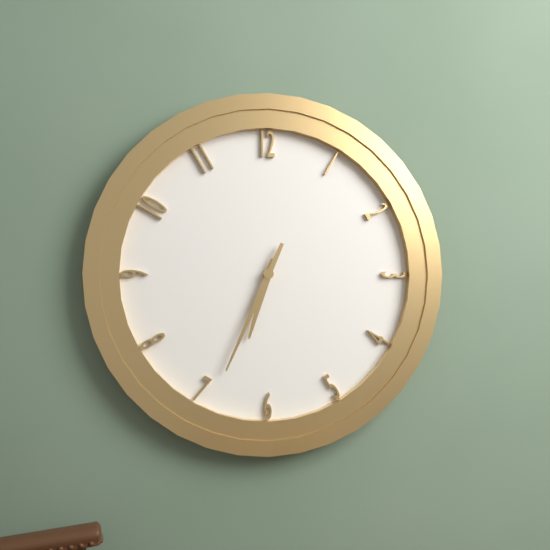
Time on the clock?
6:34
